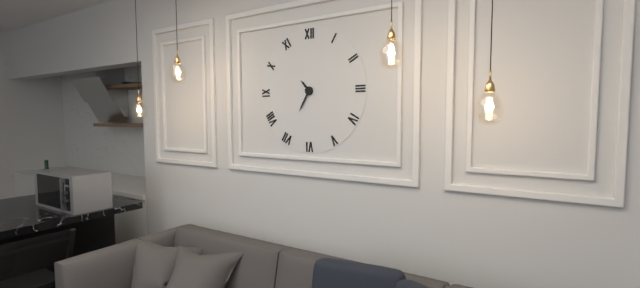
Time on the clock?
10:35
